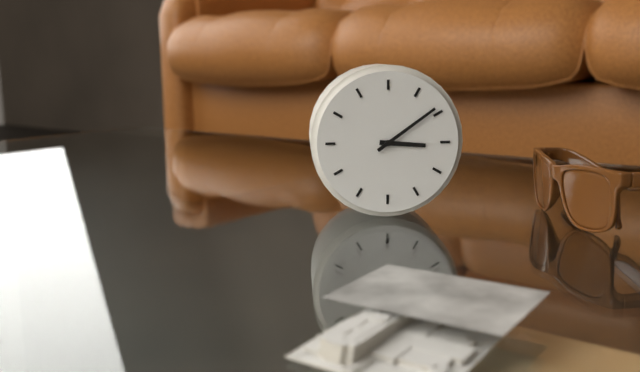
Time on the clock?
3:09
